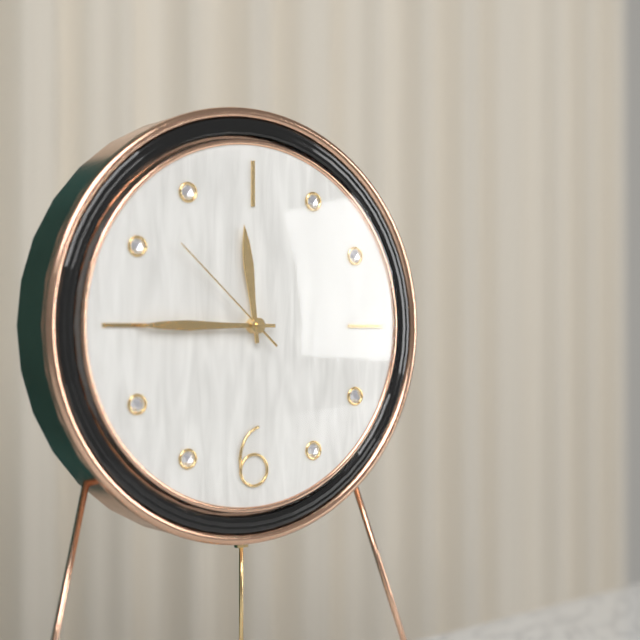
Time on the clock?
11:45:52
